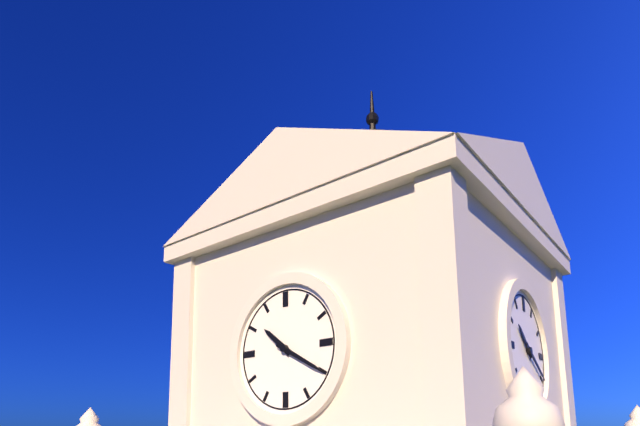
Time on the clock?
10:20
